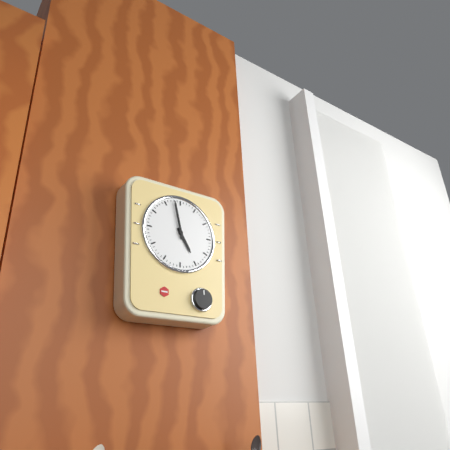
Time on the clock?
4:58
